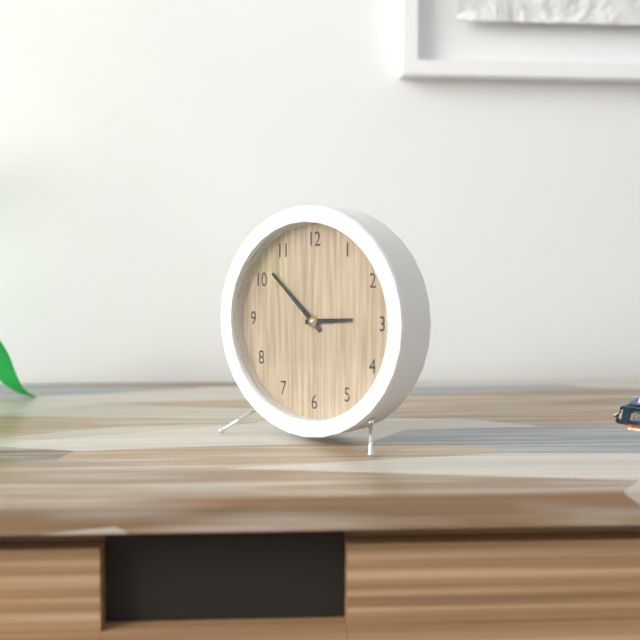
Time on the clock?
2:52
